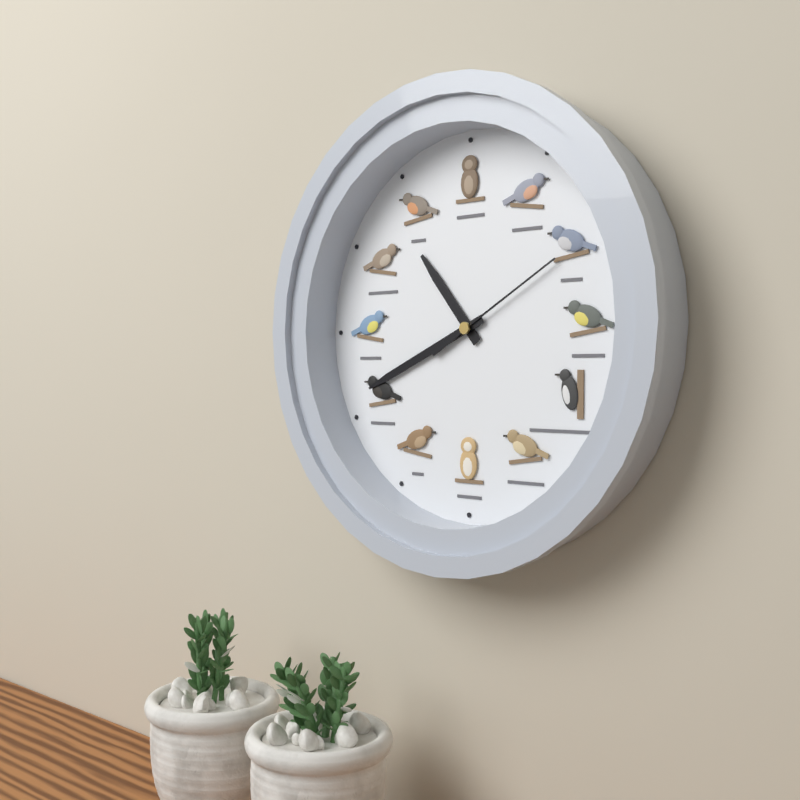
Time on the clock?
10:41:10
